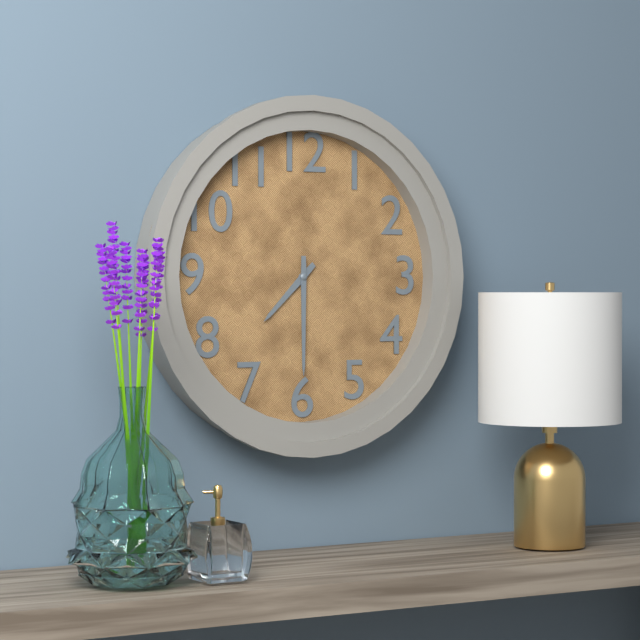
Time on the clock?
7:30
